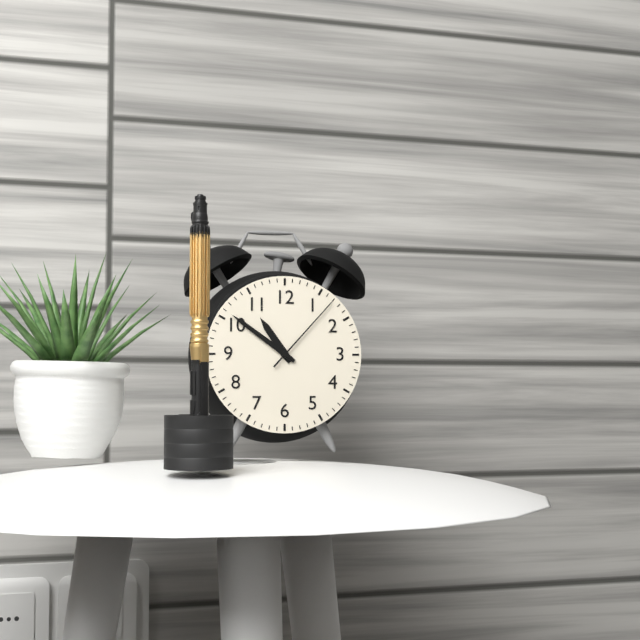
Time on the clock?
10:51:07
